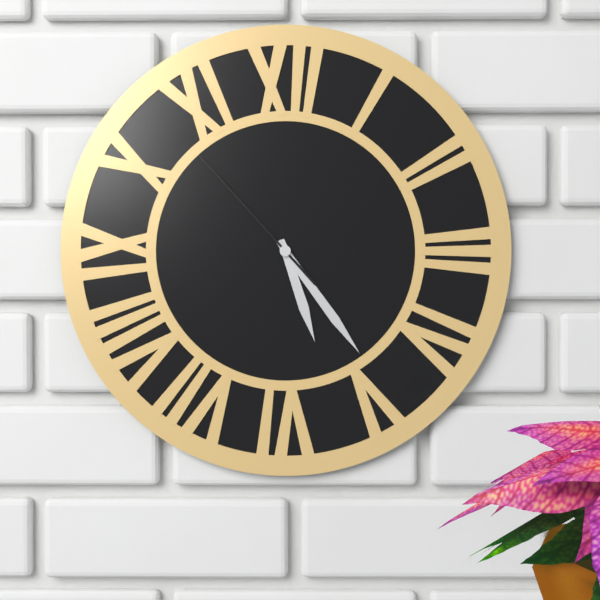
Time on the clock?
5:24:53
